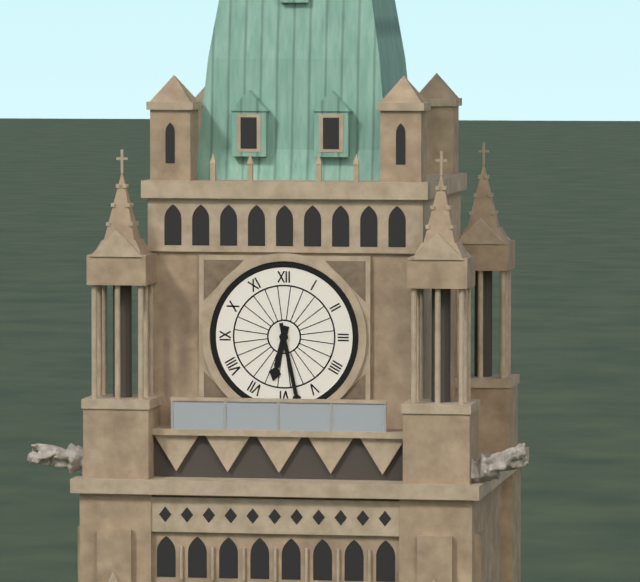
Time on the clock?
6:28
